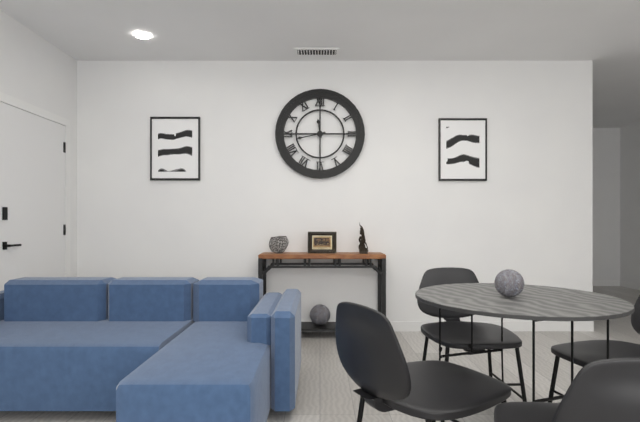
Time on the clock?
11:43
